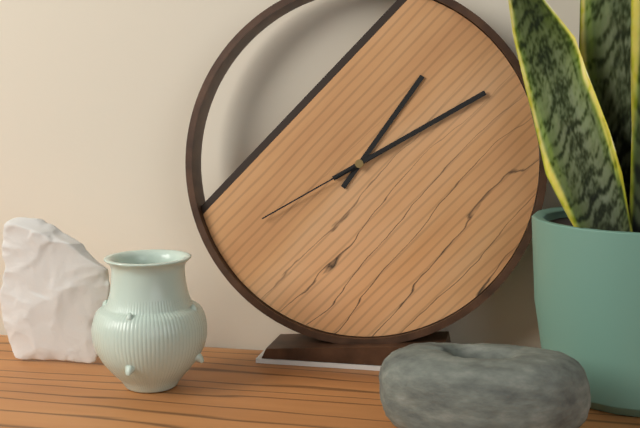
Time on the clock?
1:10:40
